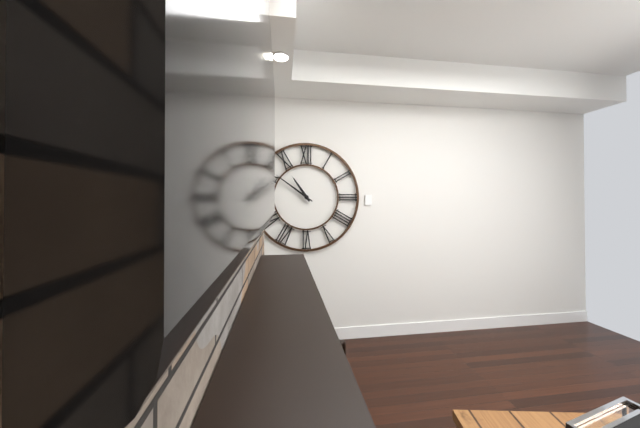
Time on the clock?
10:51
